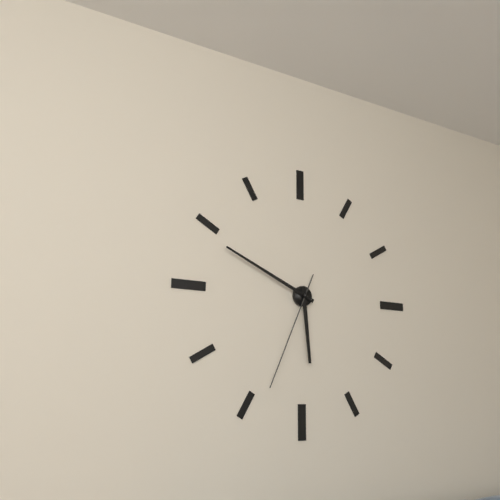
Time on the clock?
5:49:34
